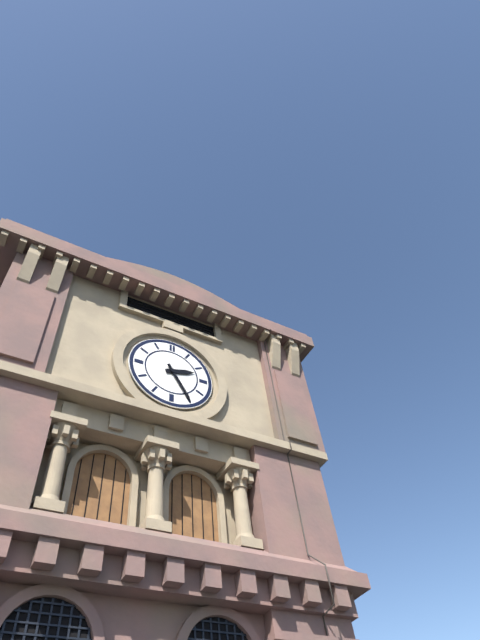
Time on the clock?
2:25
